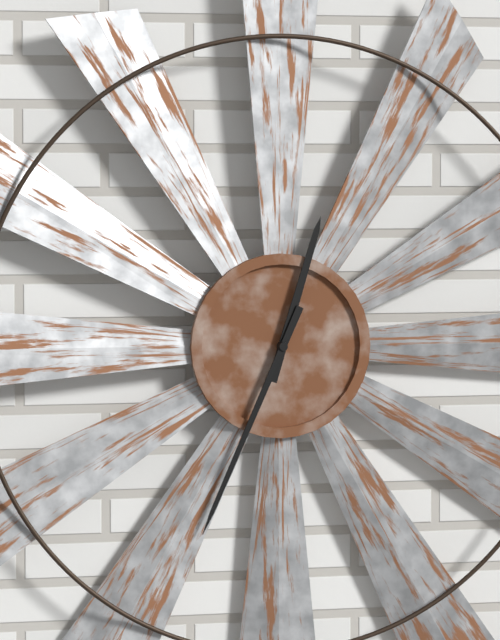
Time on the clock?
12:34
